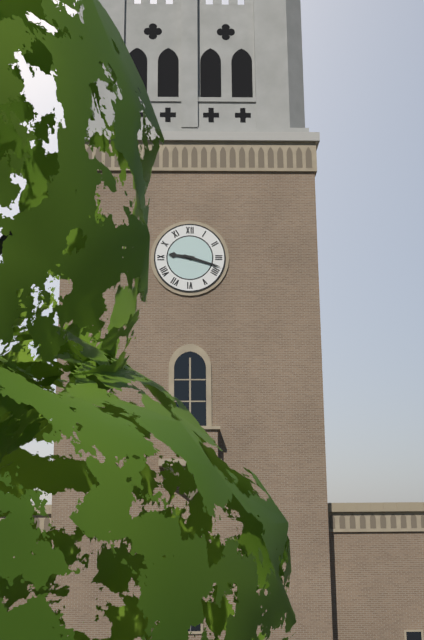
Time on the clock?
9:18
